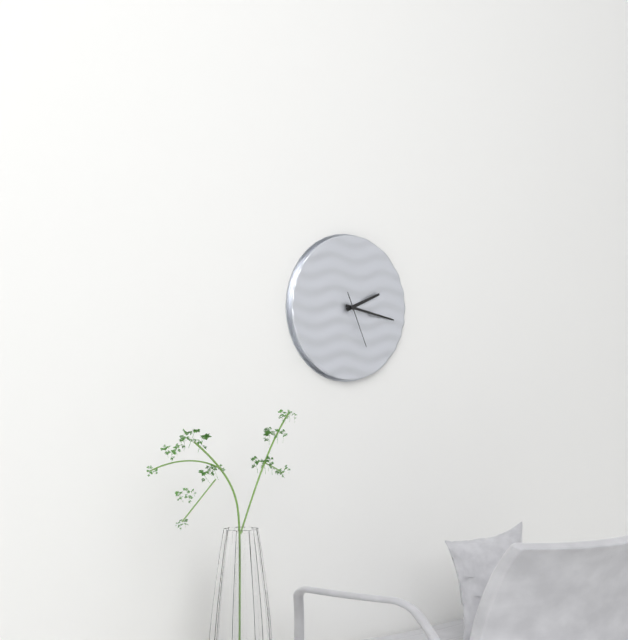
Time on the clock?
2:17:26
